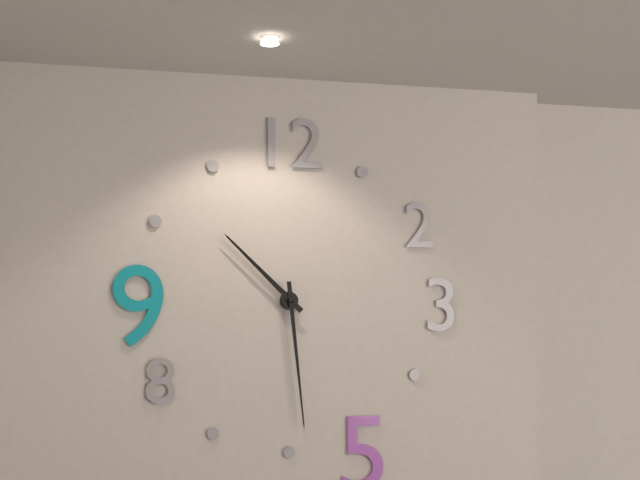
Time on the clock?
10:29
